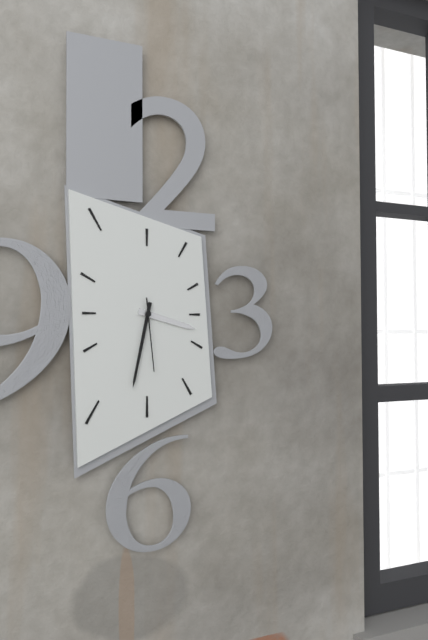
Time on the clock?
3:32:29
